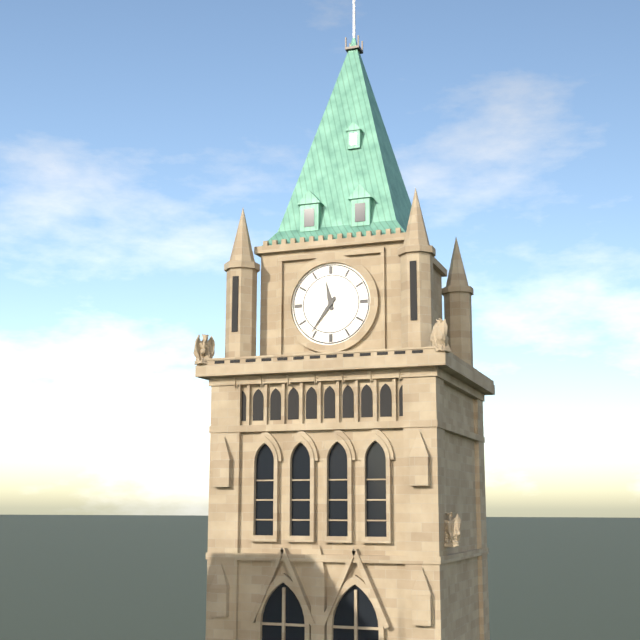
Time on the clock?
11:36
